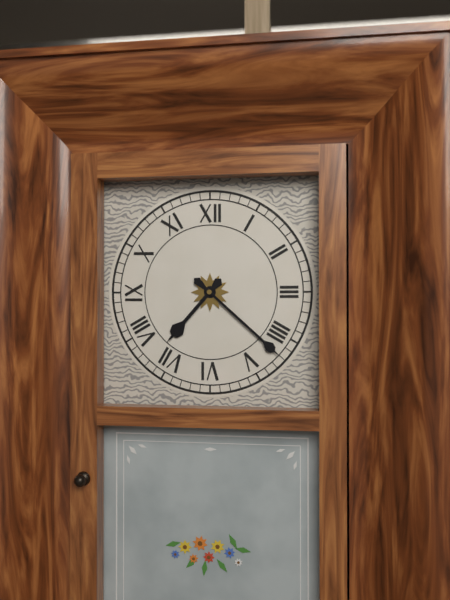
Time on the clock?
7:22
